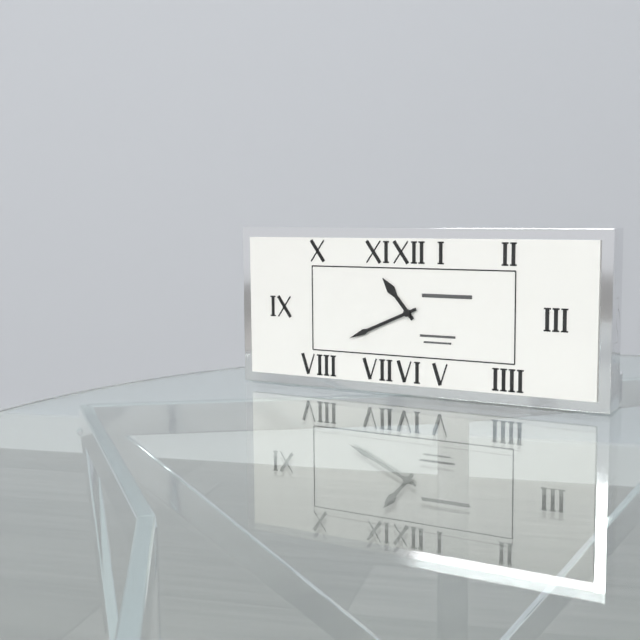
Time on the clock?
10:41
